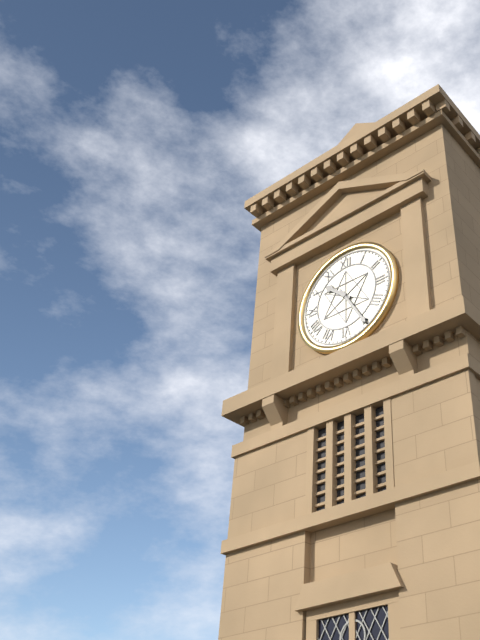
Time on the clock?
10:25
